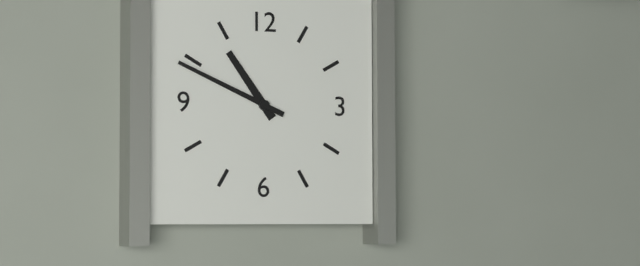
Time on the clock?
10:49
